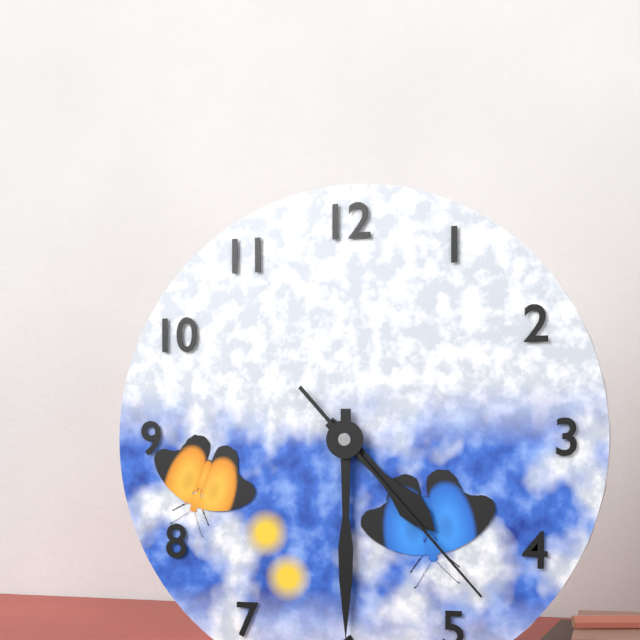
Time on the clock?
4:30:23
